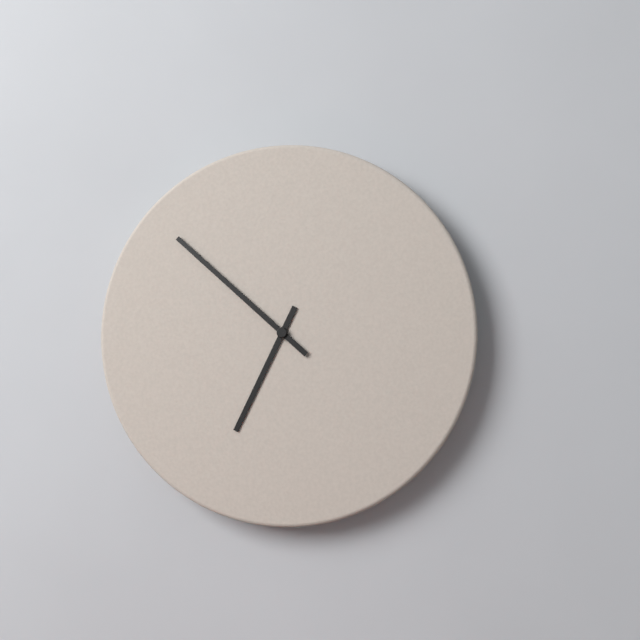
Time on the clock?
6:52
